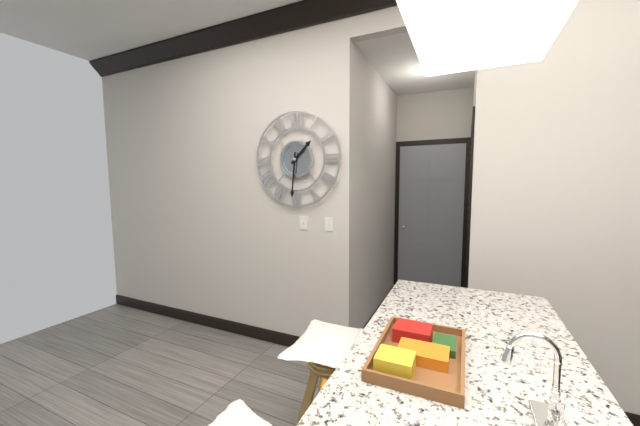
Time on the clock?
1:31
